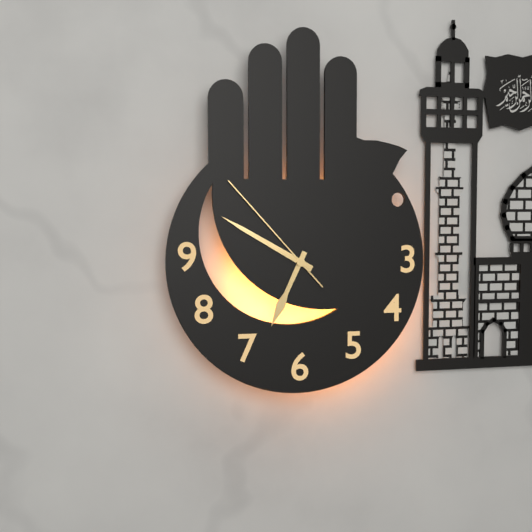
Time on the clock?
6:50:53
